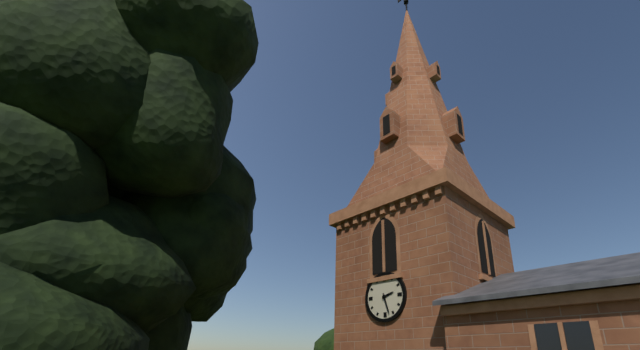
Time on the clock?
2:27
